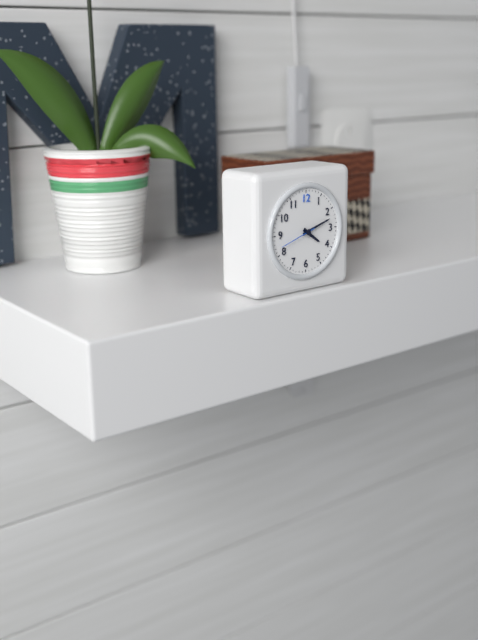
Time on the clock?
4:12
